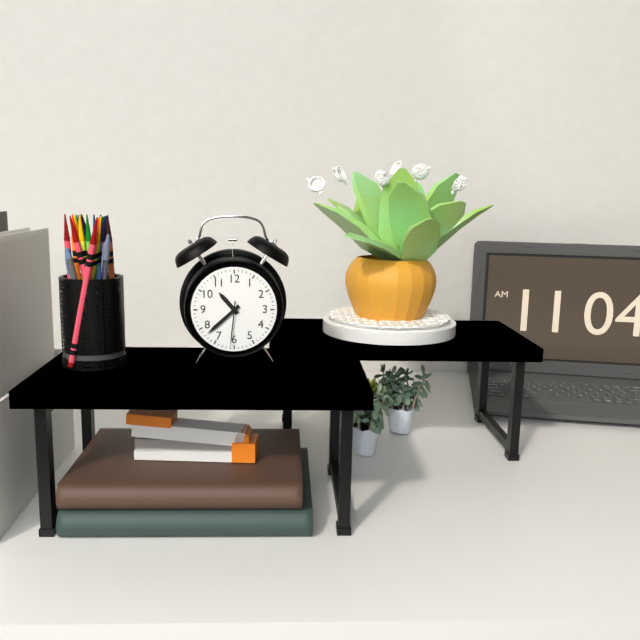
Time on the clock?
10:38
